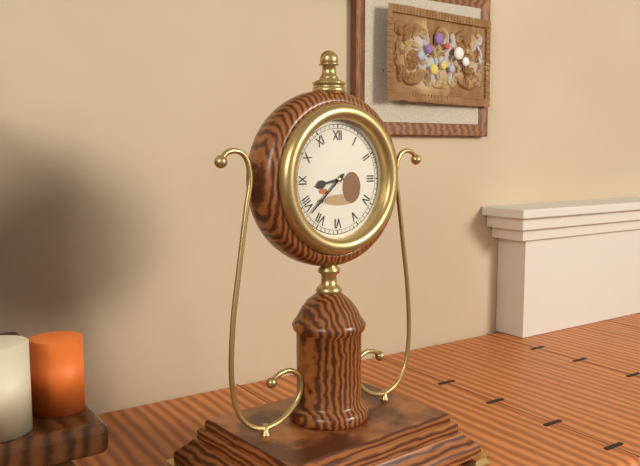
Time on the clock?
8:38
